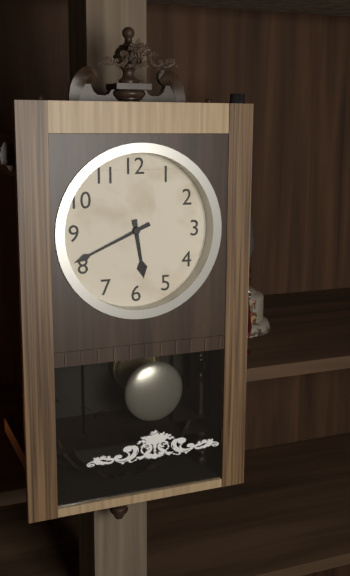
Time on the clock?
5:41
